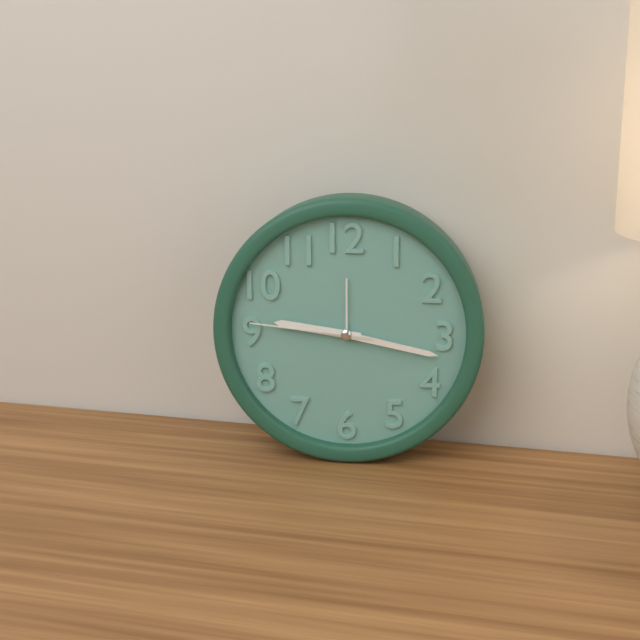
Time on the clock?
9:17:46
